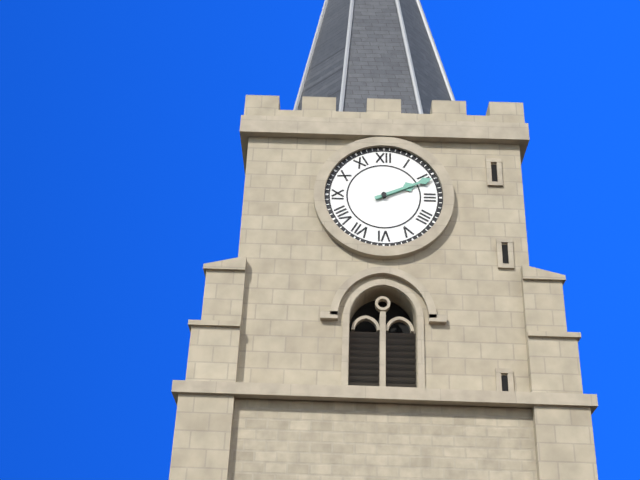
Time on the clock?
2:11
